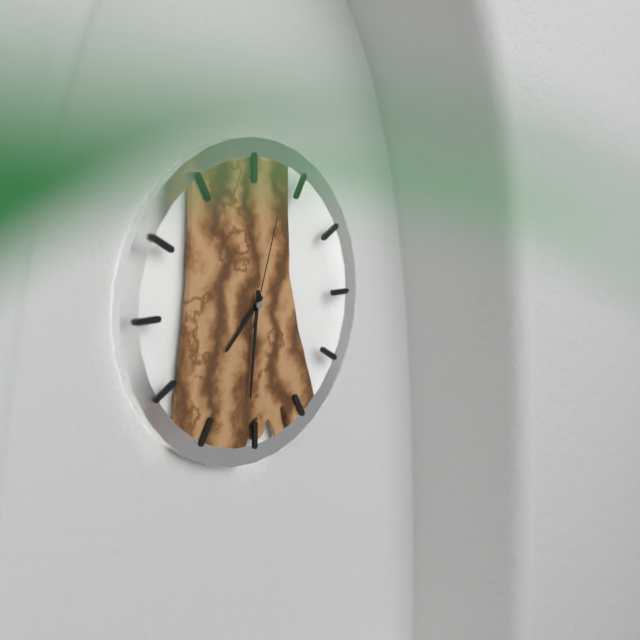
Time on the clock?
7:31:03
